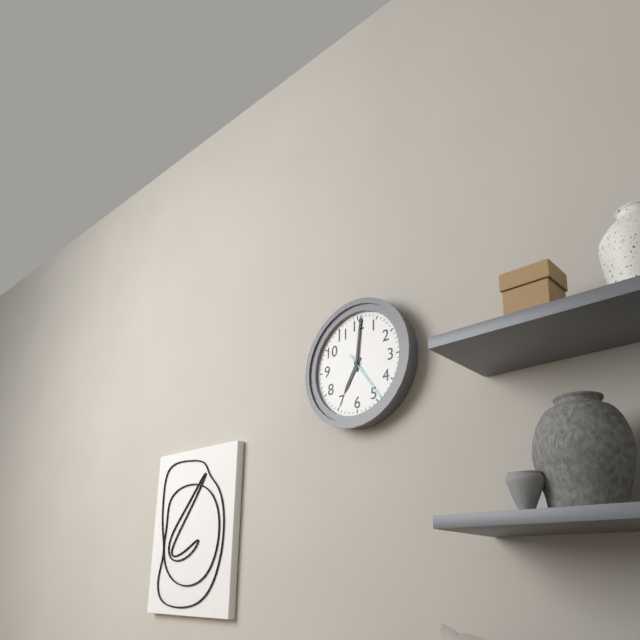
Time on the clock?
7:01:24
